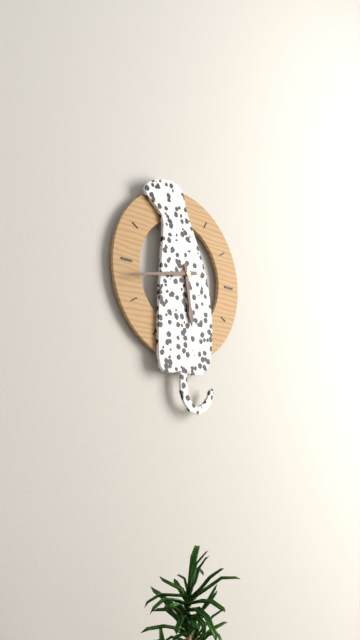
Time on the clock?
5:43
